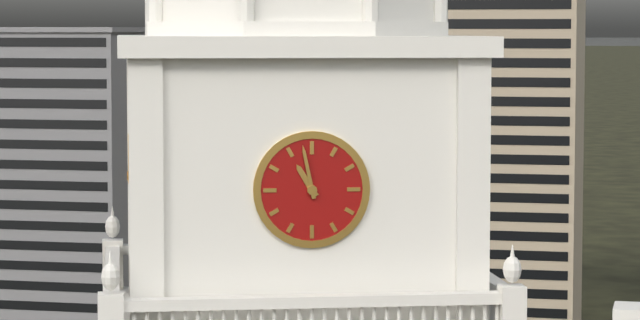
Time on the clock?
10:58
